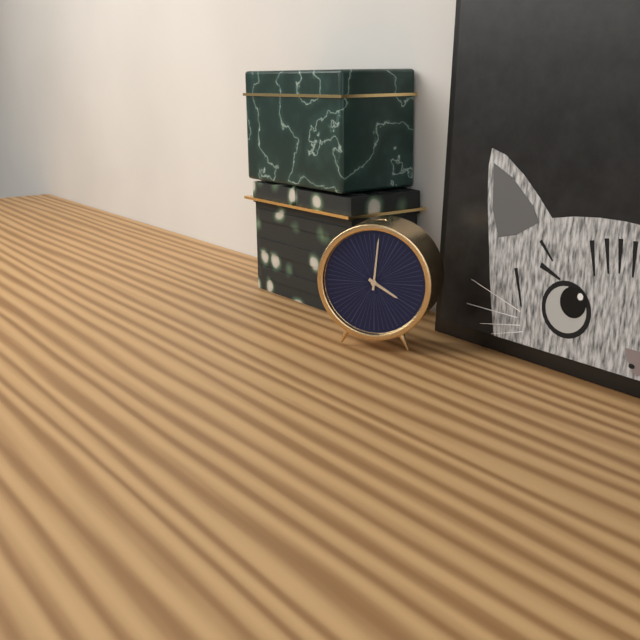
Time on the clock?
4:01
